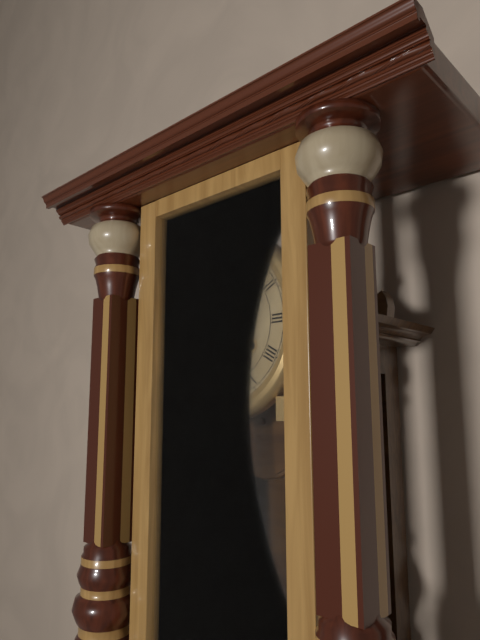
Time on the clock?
10:40
